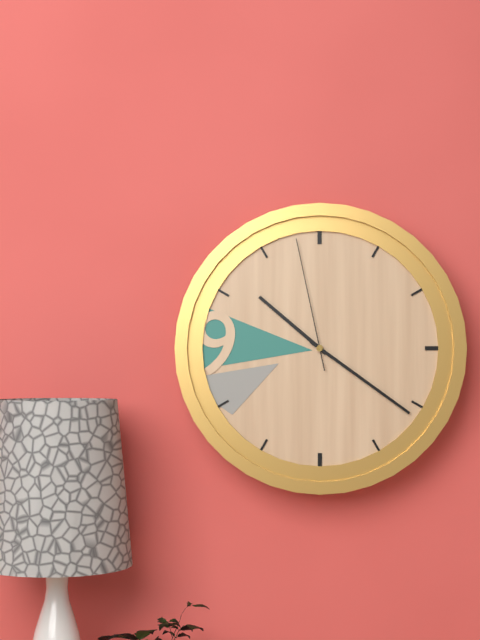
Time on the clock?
10:21:58
